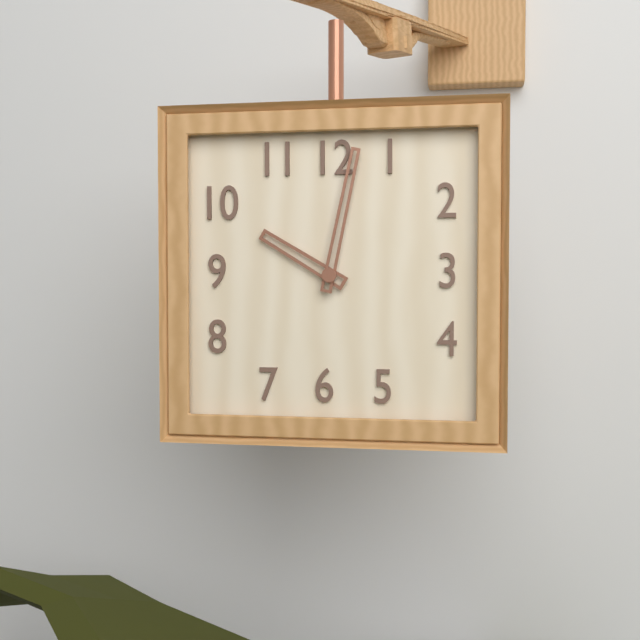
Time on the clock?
10:02
